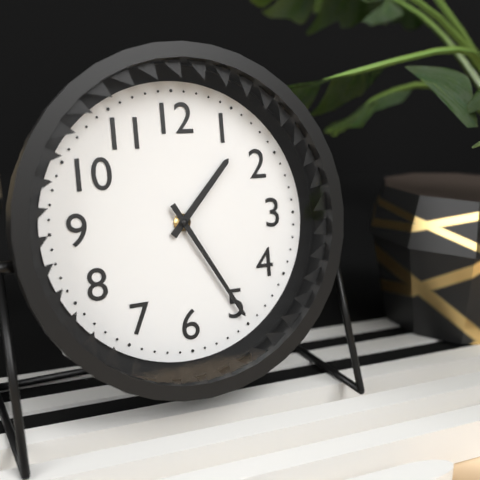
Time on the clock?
1:25
